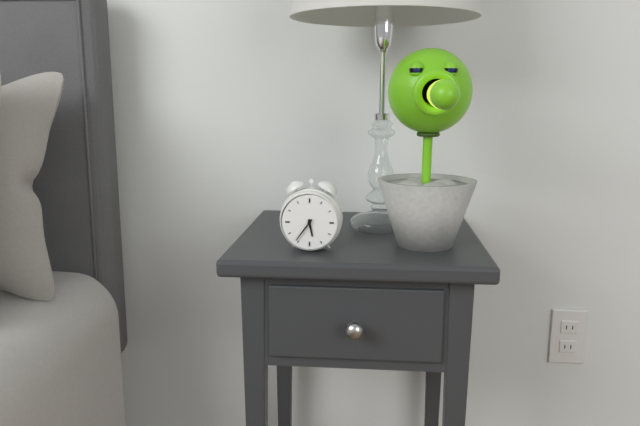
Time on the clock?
5:36
